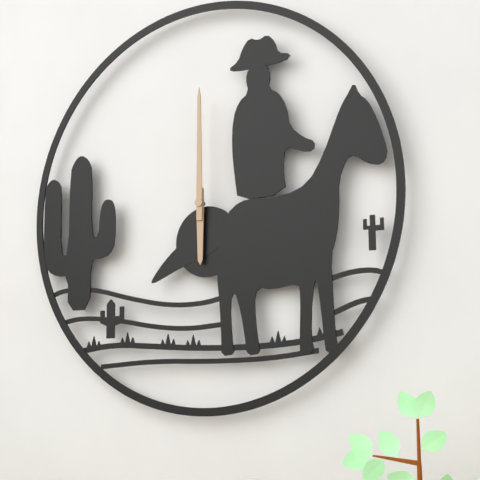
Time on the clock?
6:00
